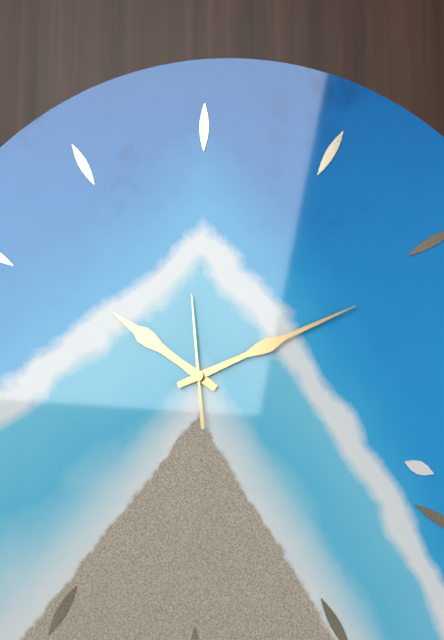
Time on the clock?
10:11:59
